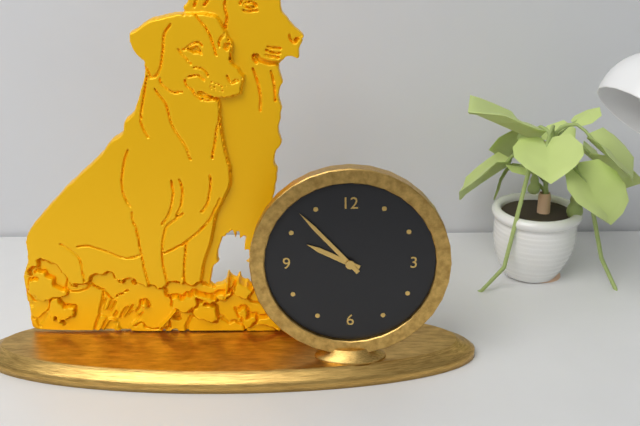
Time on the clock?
9:53
